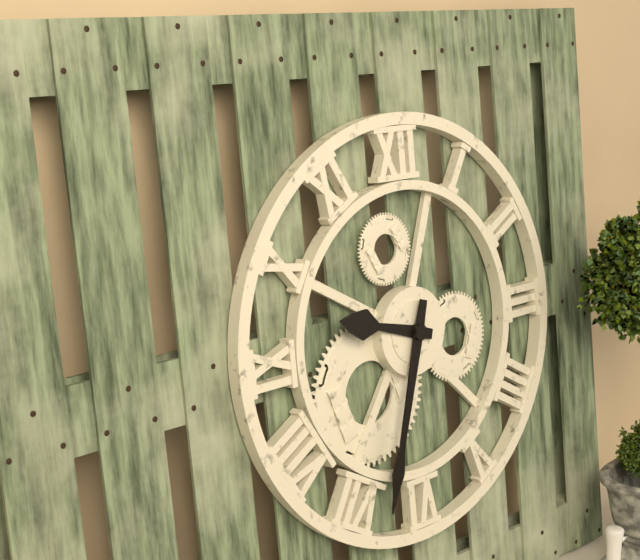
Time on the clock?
9:33
